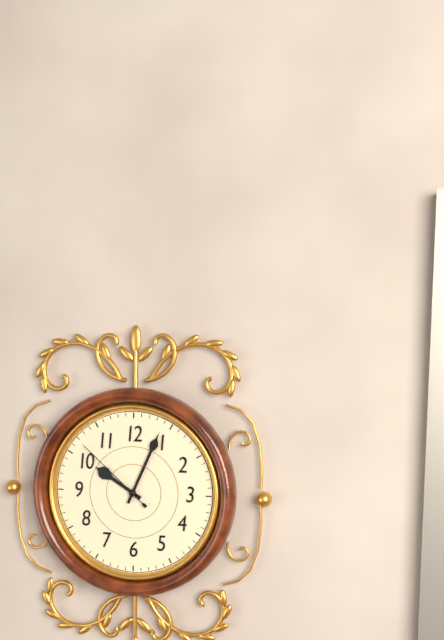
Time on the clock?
10:04:52
